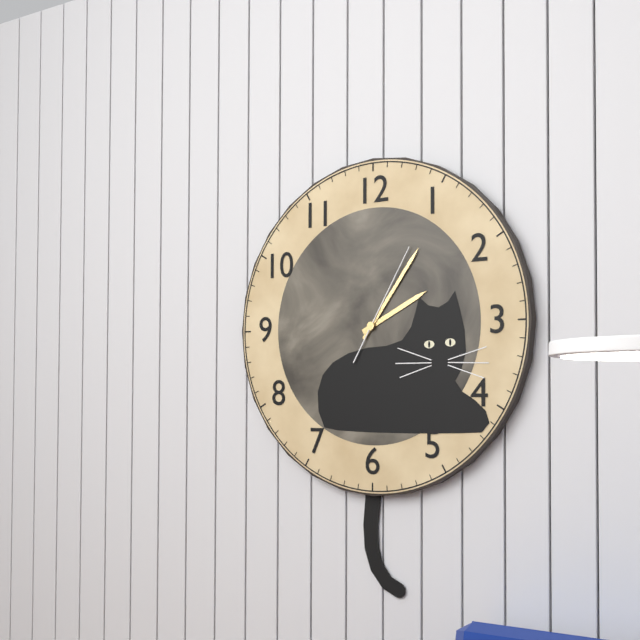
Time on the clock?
2:06:05
